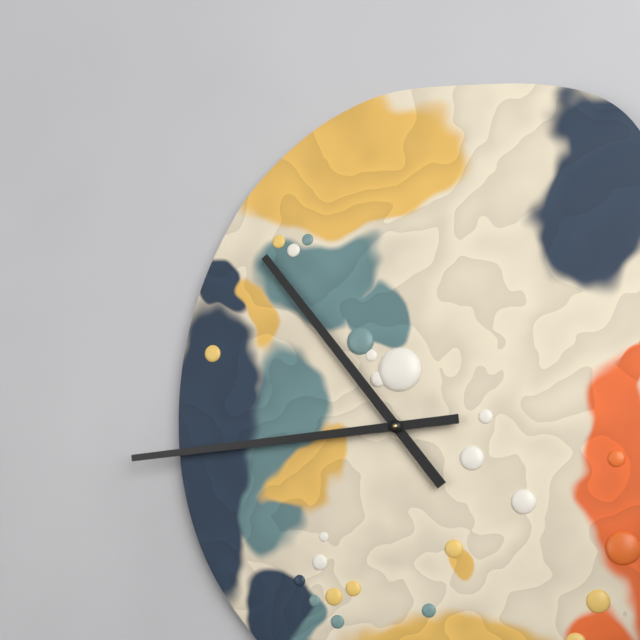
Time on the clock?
10:44
